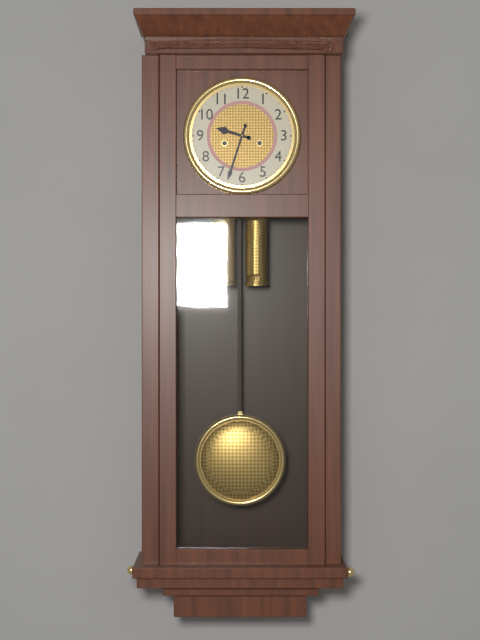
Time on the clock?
9:33
